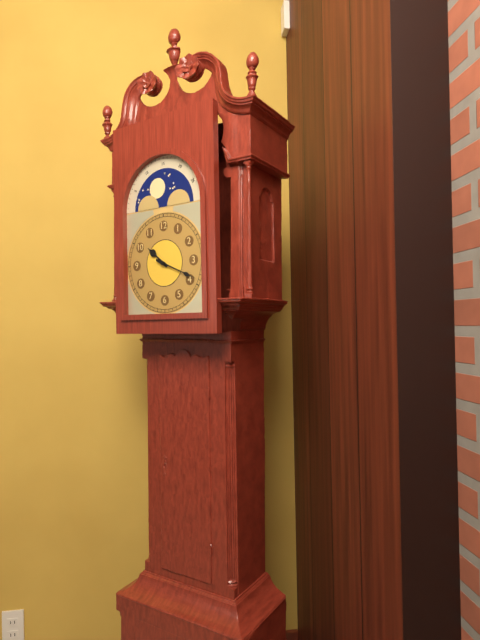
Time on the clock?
10:19
